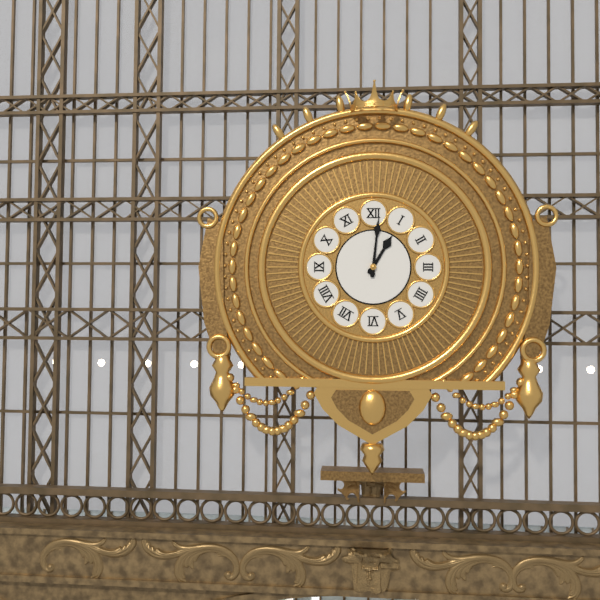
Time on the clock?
1:01
